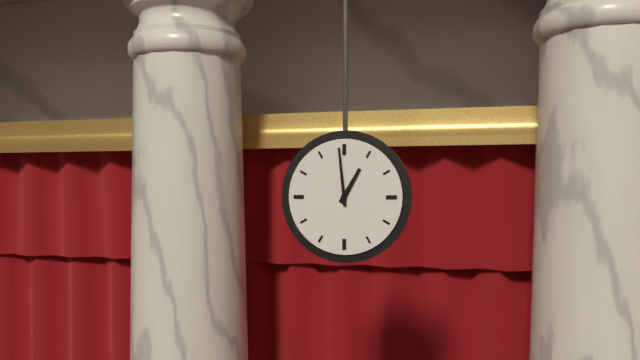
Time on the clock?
12:59
